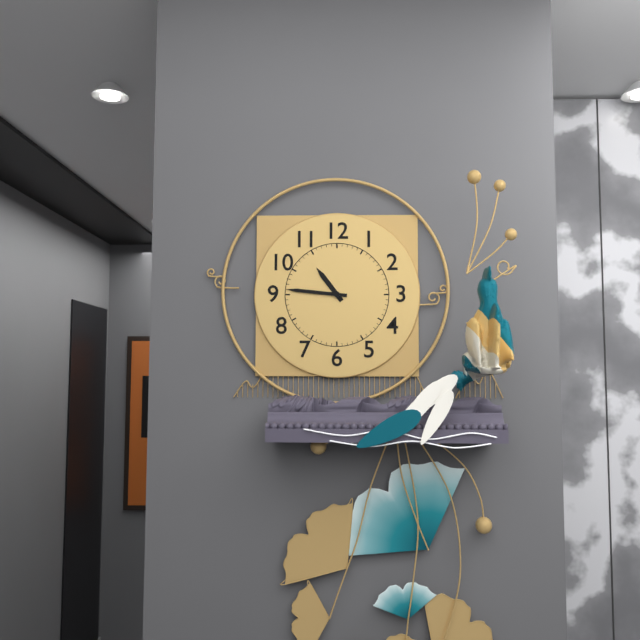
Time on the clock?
10:46
